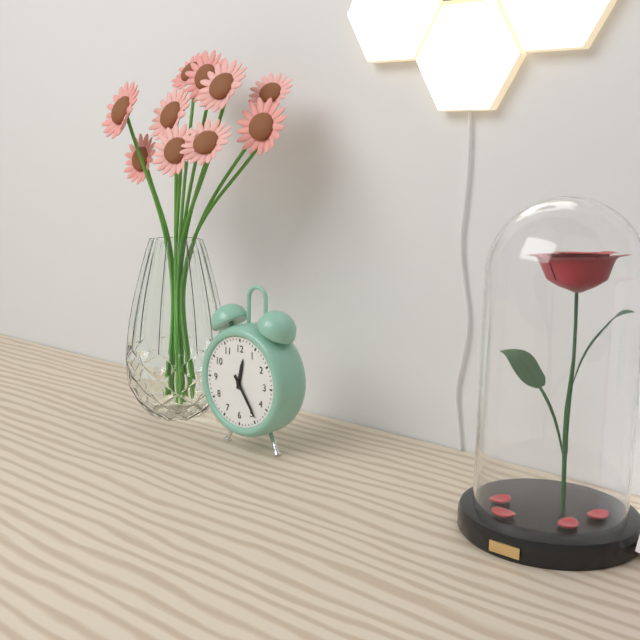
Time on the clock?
12:24
